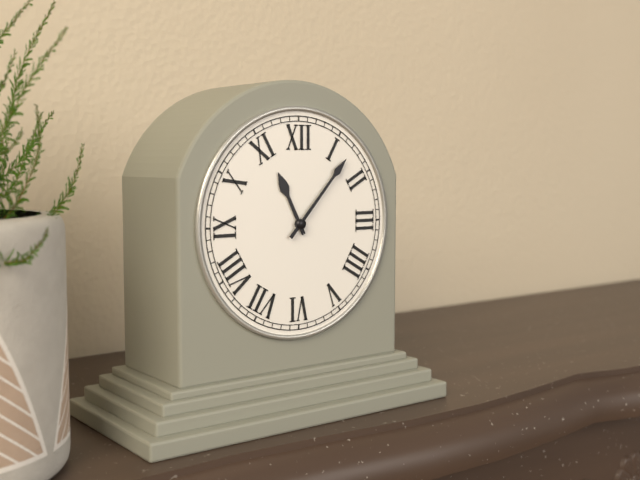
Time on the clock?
11:07
